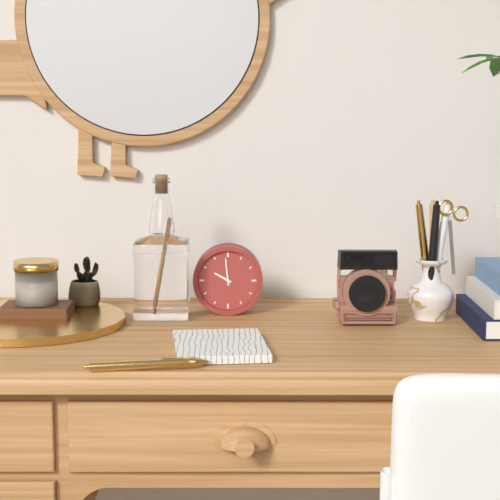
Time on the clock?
9:59
